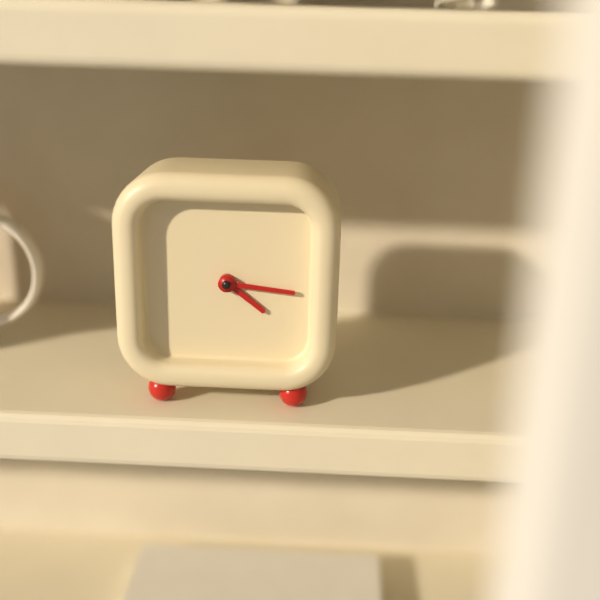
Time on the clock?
4:16
